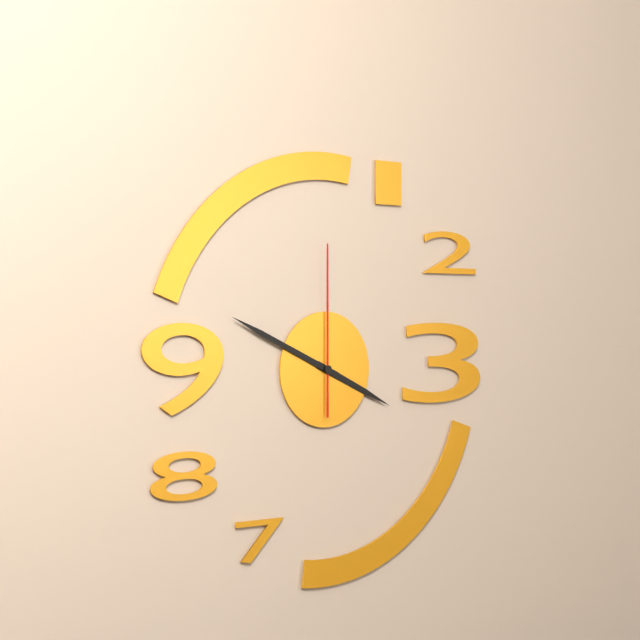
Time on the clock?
3:49:00
